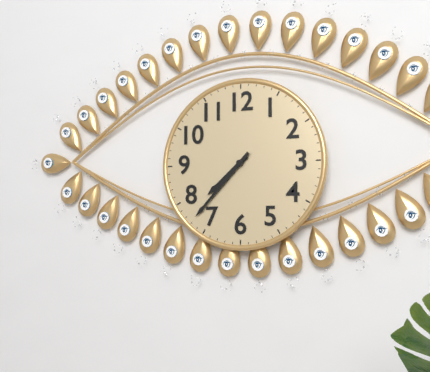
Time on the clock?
7:37
